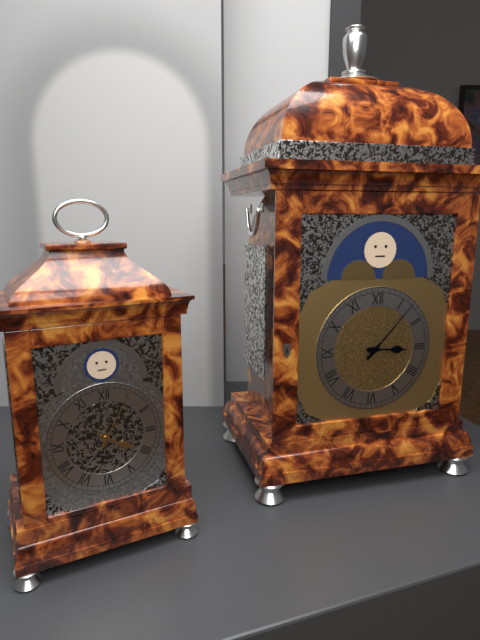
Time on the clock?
3:07
